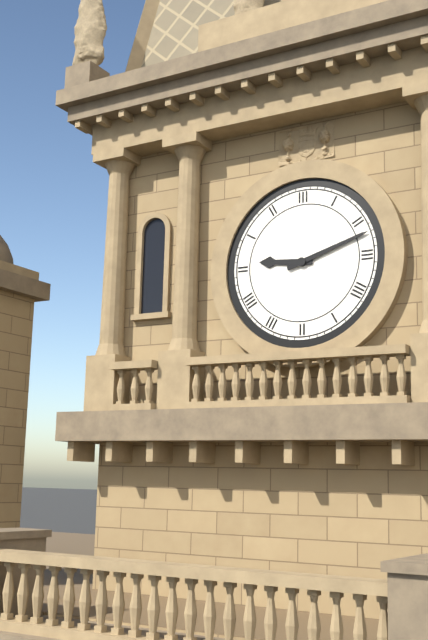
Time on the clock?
9:12
